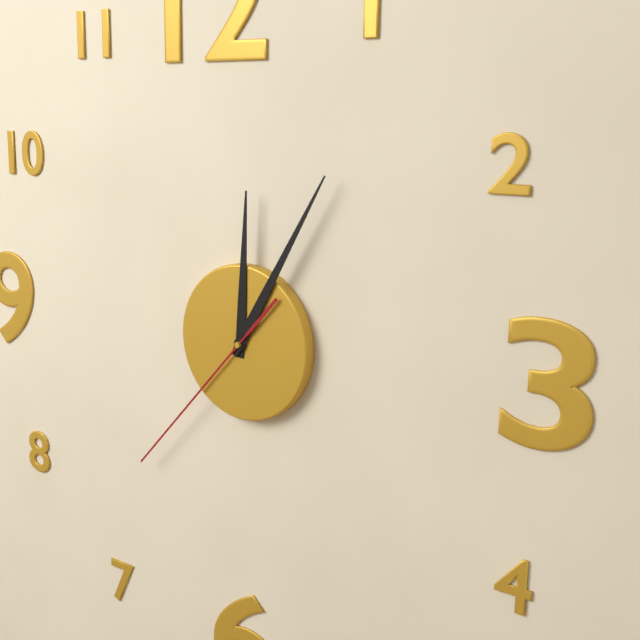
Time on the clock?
12:05:37
